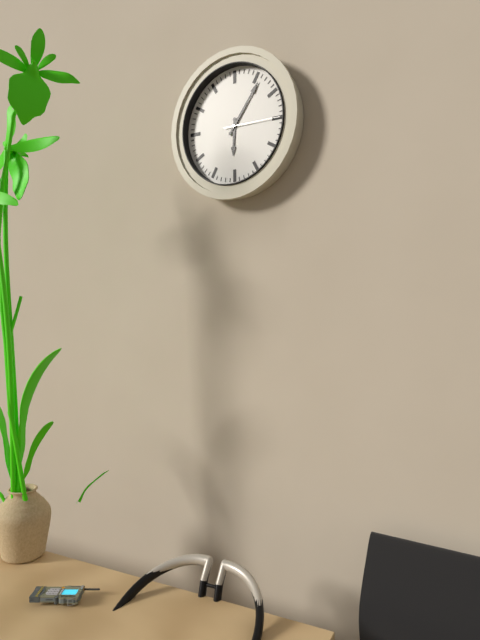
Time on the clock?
6:06:15
